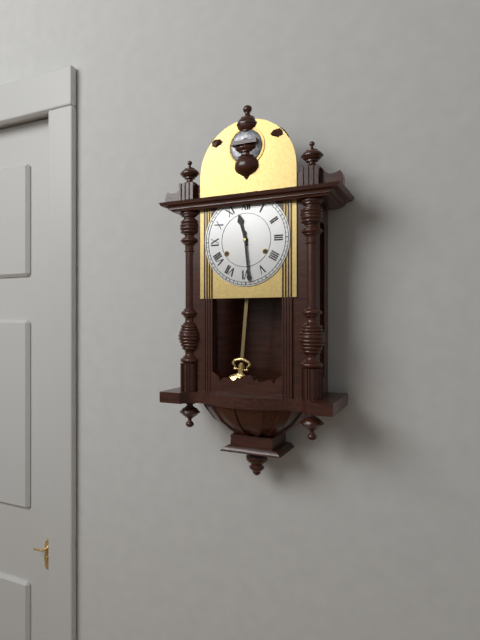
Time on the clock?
11:29
